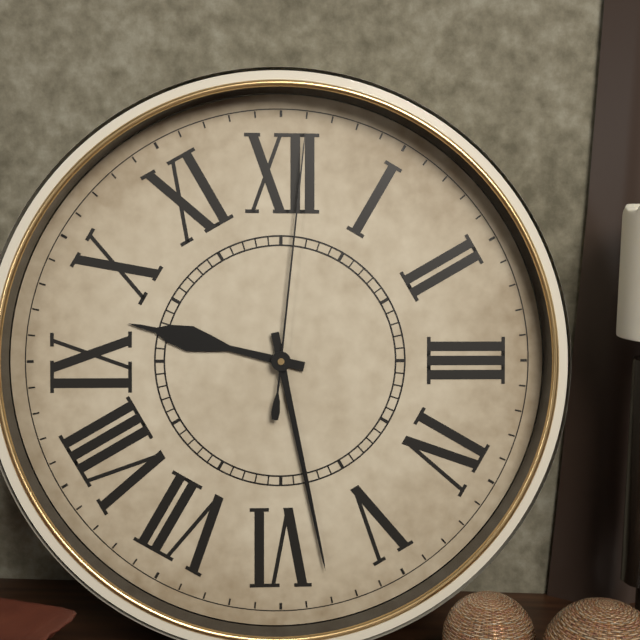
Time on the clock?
9:28:01
